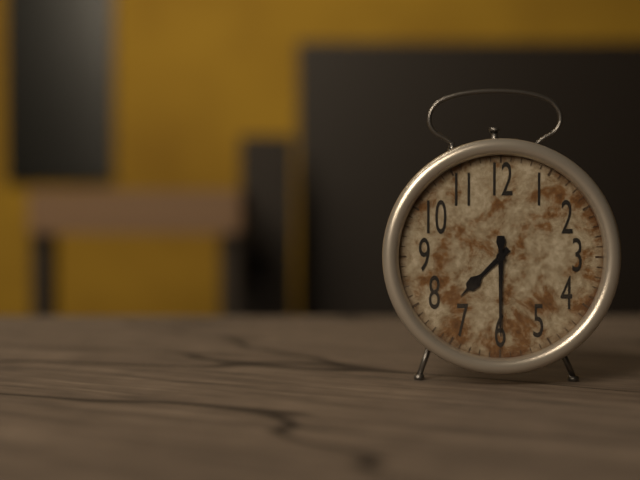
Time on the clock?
7:30
